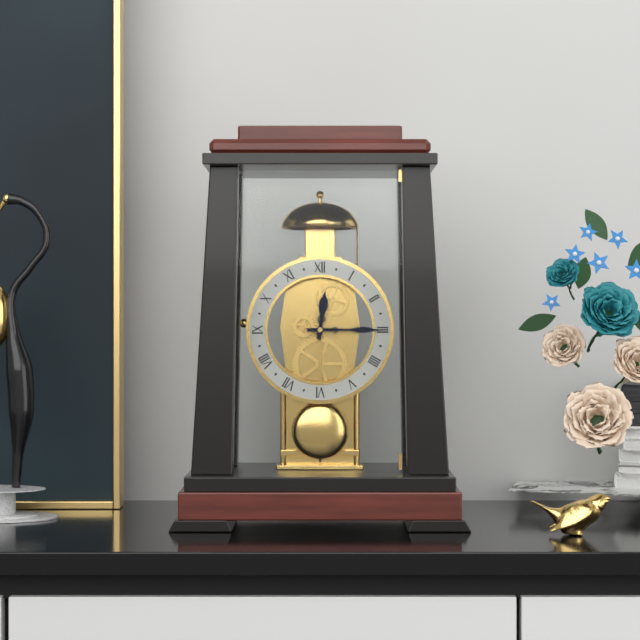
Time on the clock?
12:15
